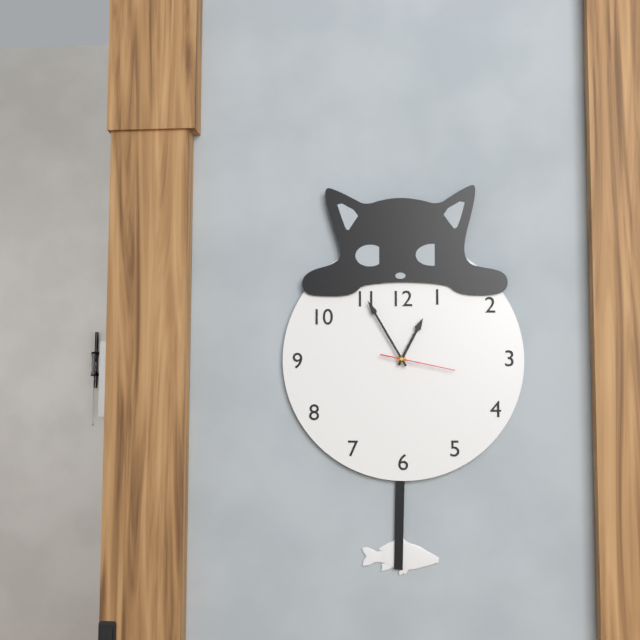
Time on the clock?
12:55:17
